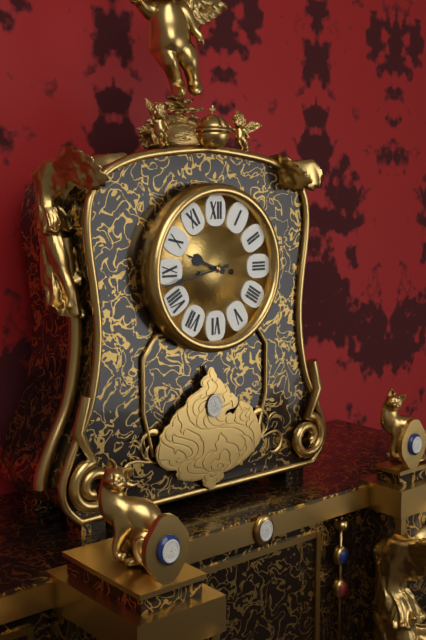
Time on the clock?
9:43
